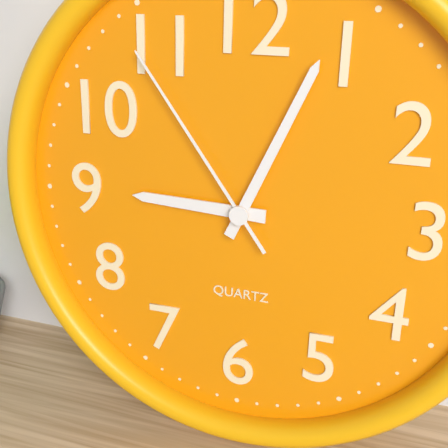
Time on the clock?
9:04:54
